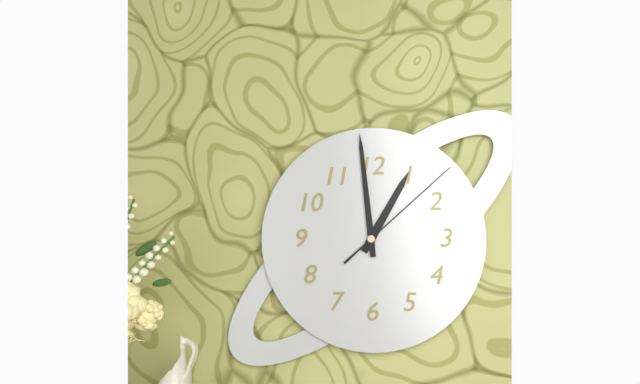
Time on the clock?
12:59:08
